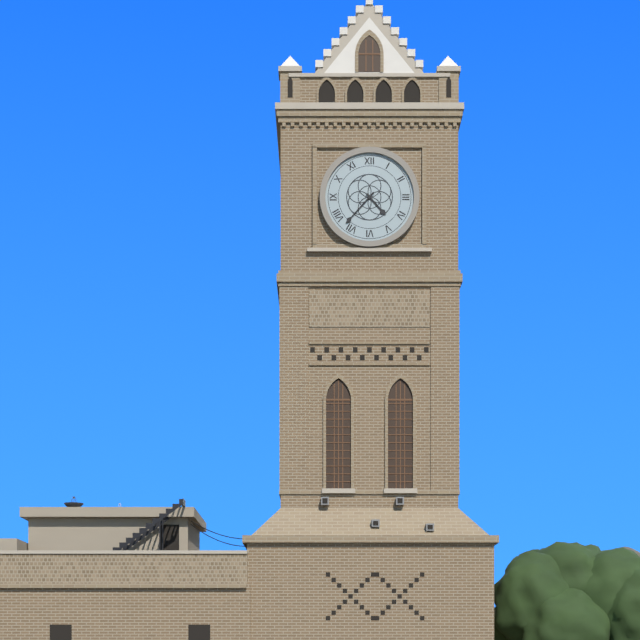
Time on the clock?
4:37
